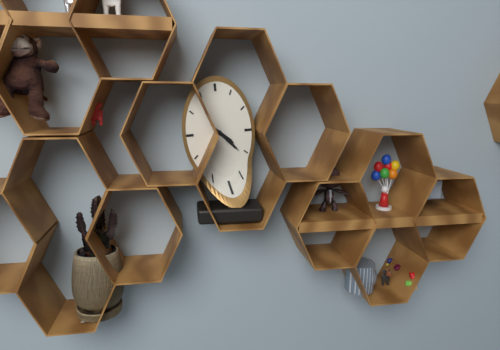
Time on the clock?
4:23
